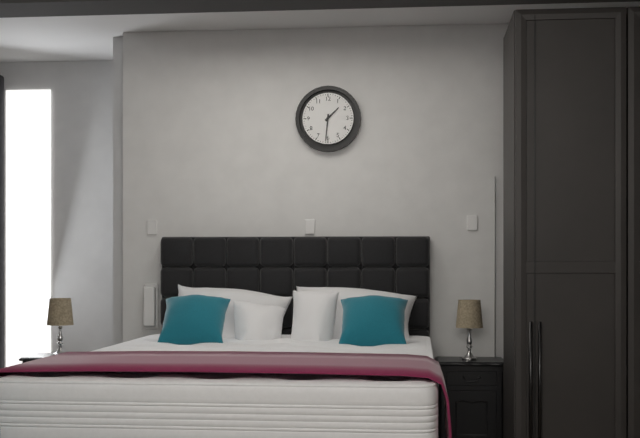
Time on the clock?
1:31
